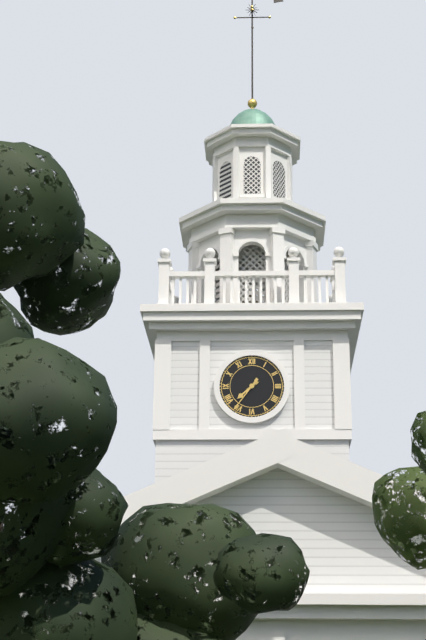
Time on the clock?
7:36
